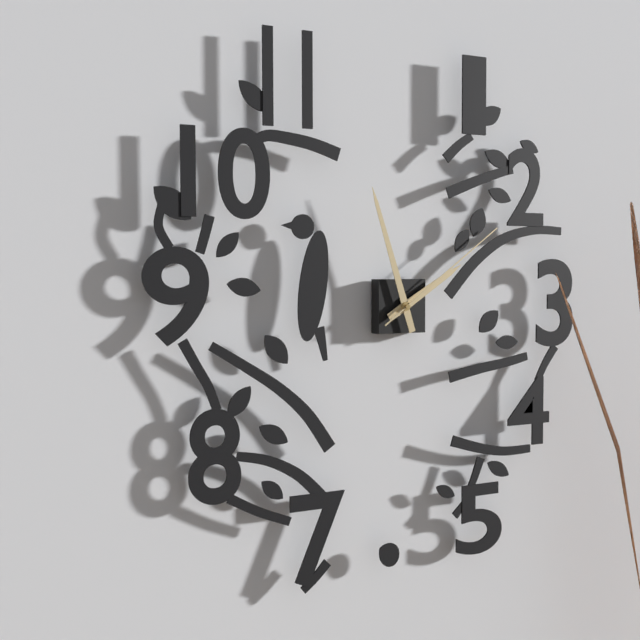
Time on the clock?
1:57:09
